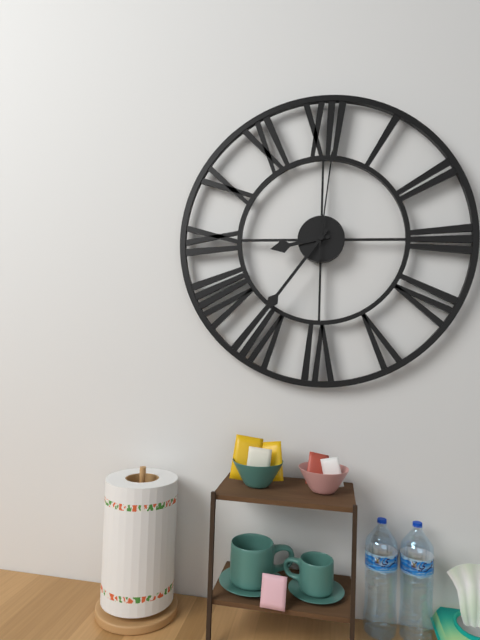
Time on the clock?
8:36:01
